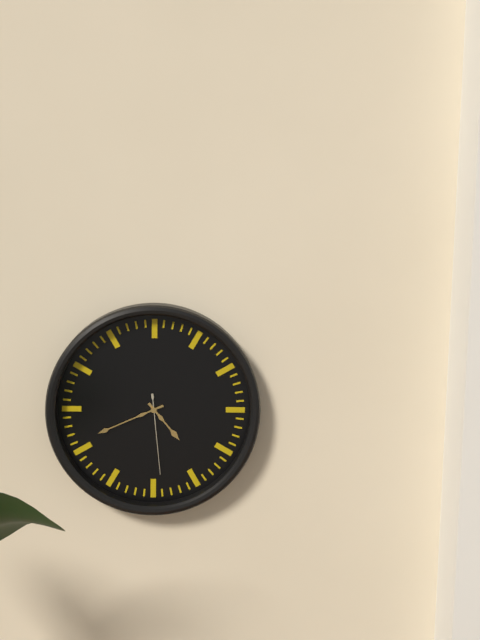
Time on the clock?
4:41:29
